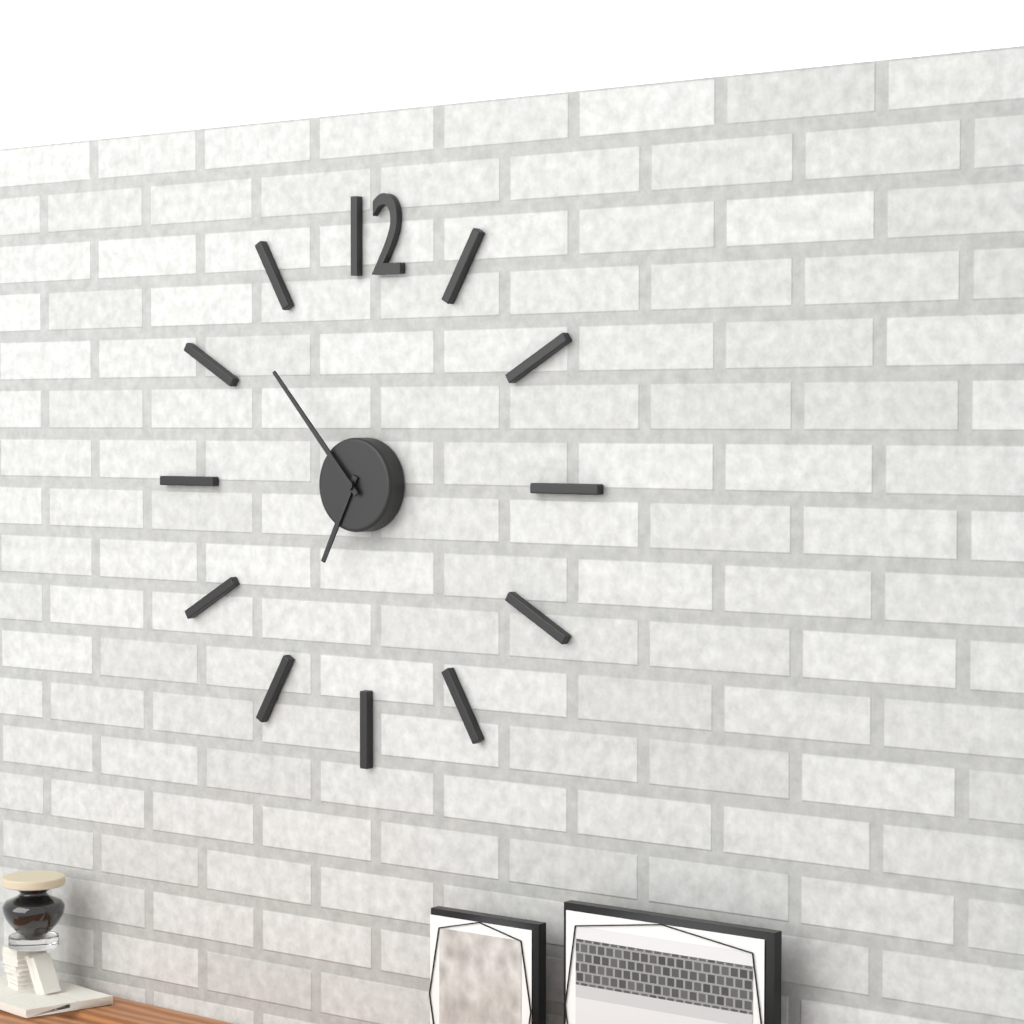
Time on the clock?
6:53
